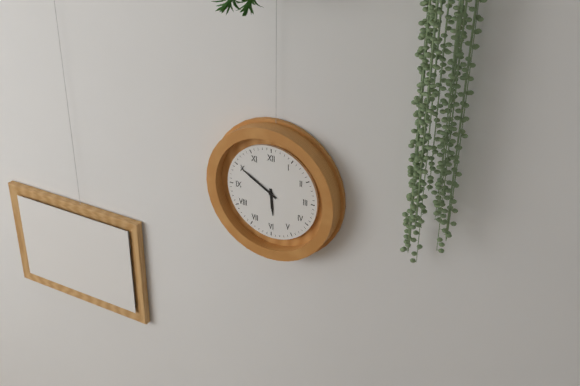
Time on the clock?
5:50
